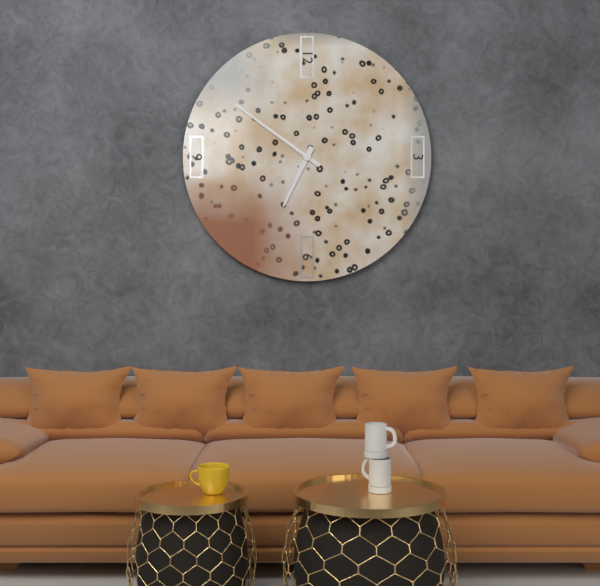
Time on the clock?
6:51
